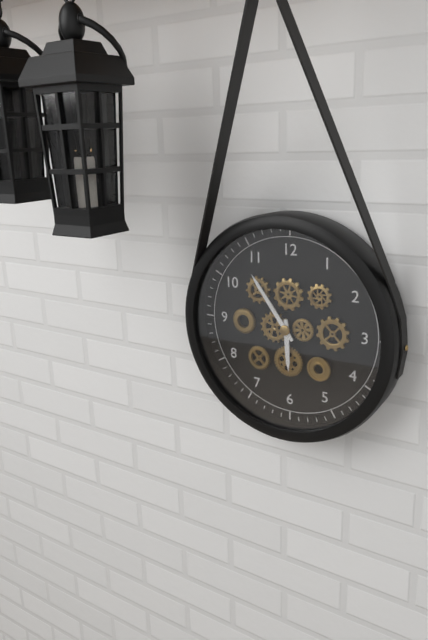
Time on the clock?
5:54
